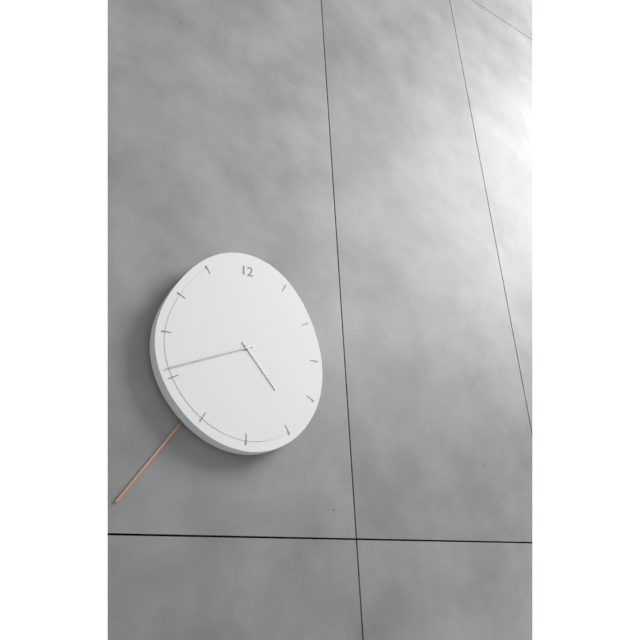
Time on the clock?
4:41:36
